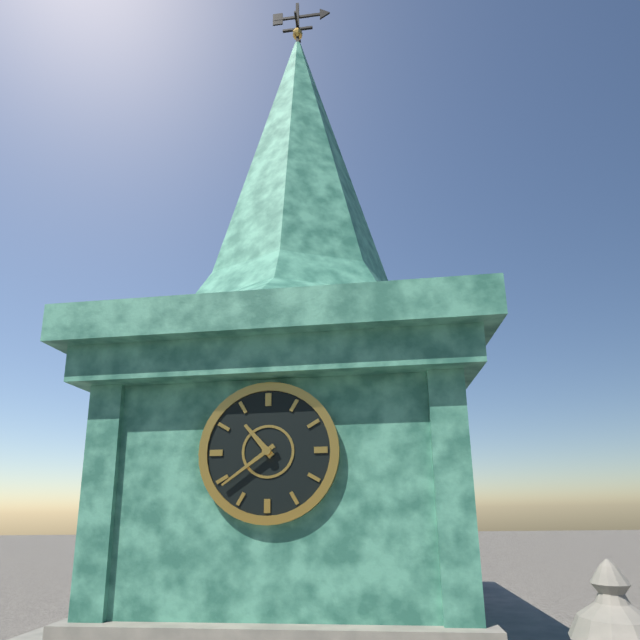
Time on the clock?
10:39
